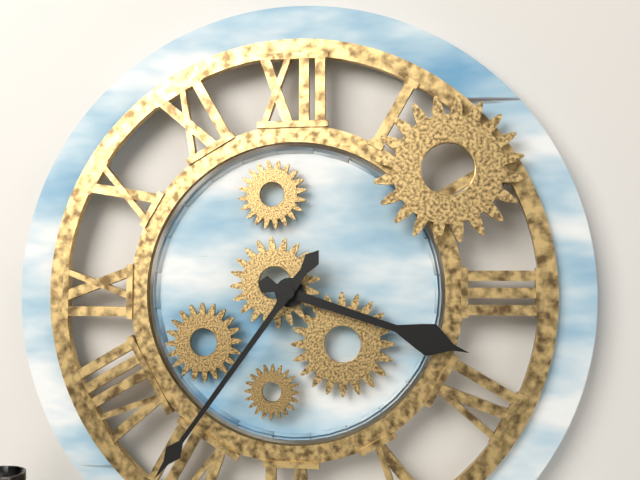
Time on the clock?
3:36
